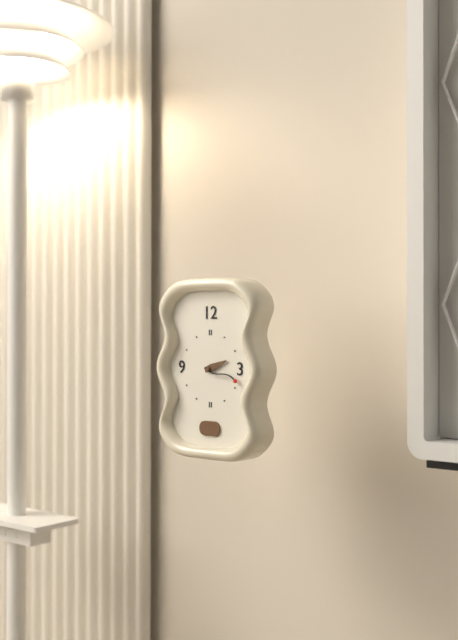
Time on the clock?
2:18
